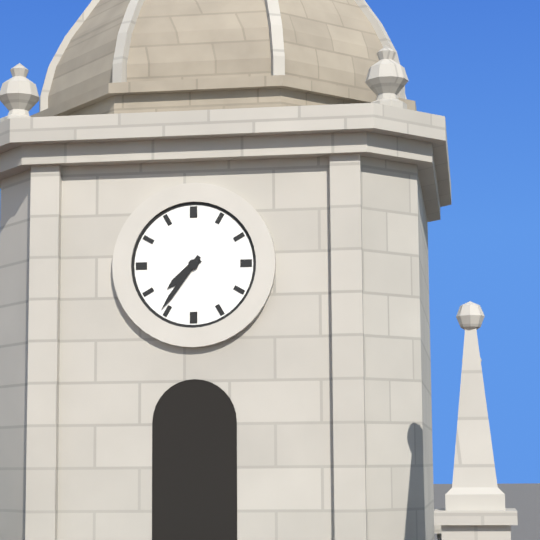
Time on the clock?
7:36
